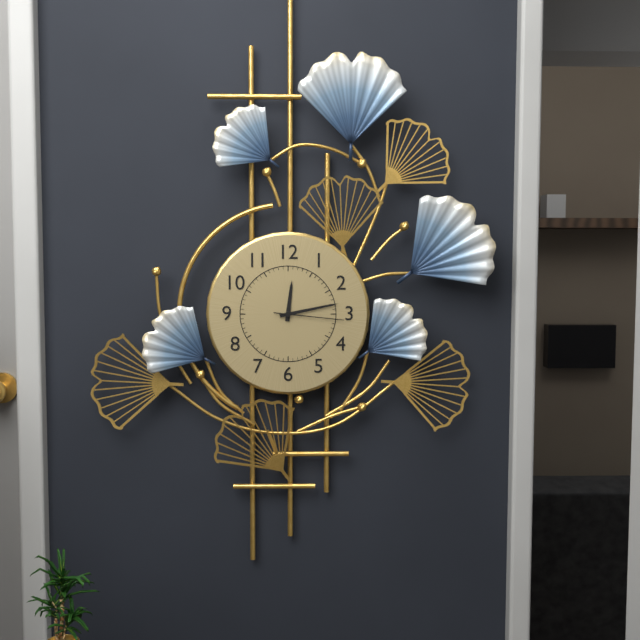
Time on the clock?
12:13:16
